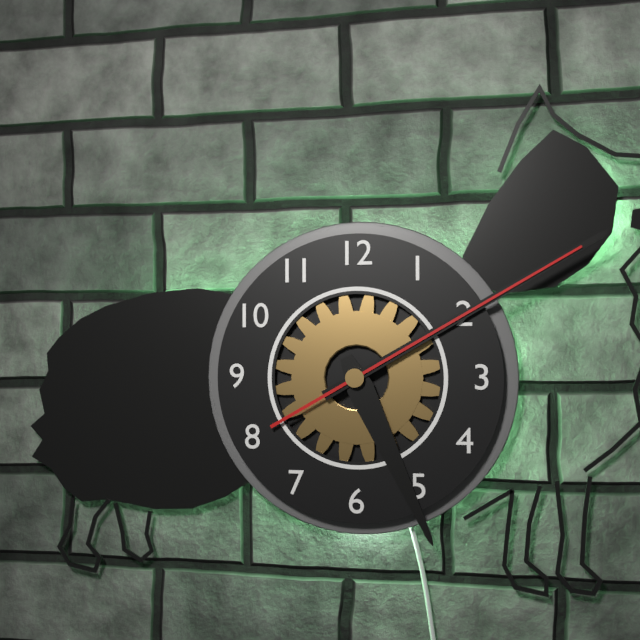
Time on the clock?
5:10:10
